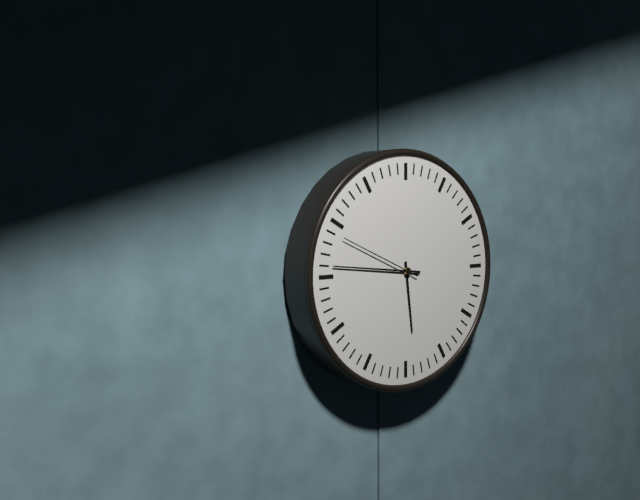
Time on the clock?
5:46:49
